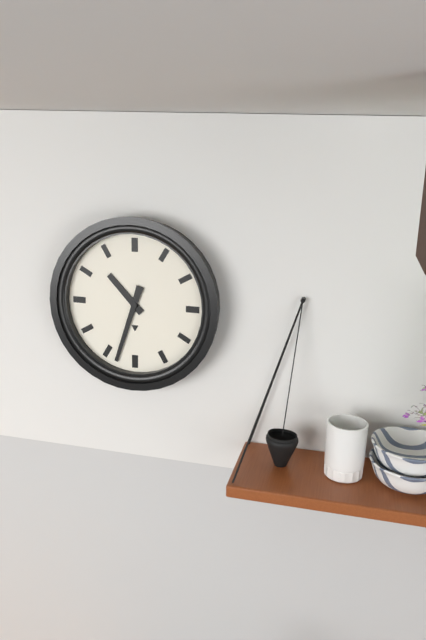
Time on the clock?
10:33
